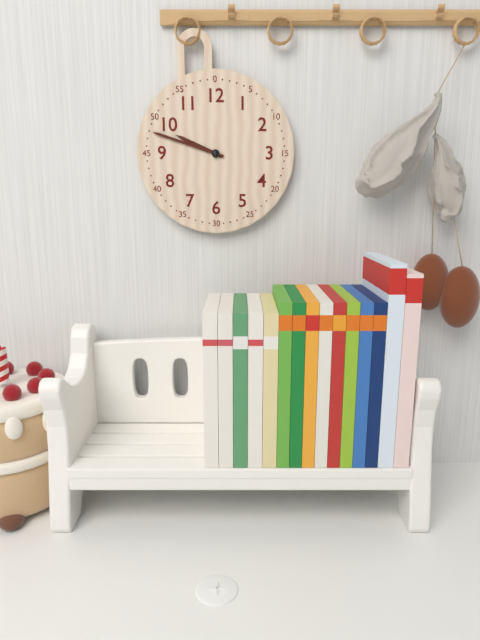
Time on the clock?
9:48
